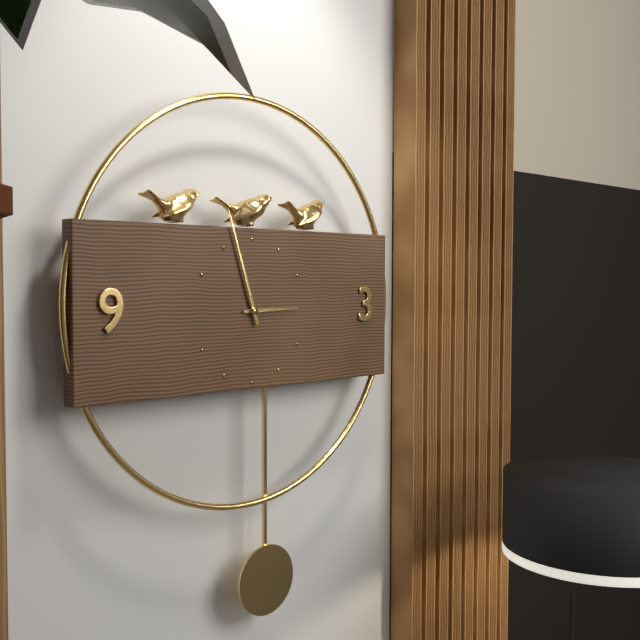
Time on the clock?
2:57
